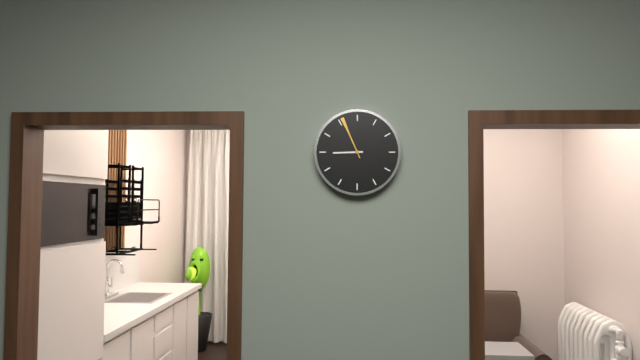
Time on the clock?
8:56
